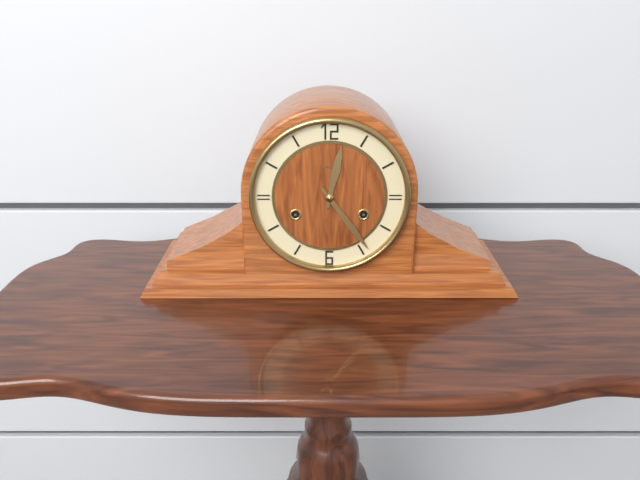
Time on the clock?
12:24
